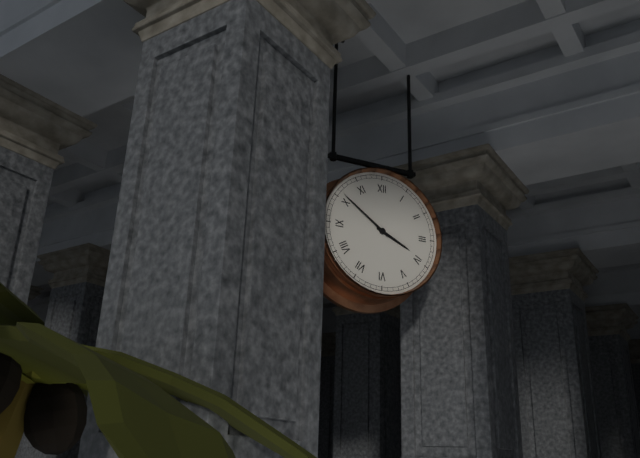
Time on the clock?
3:51
